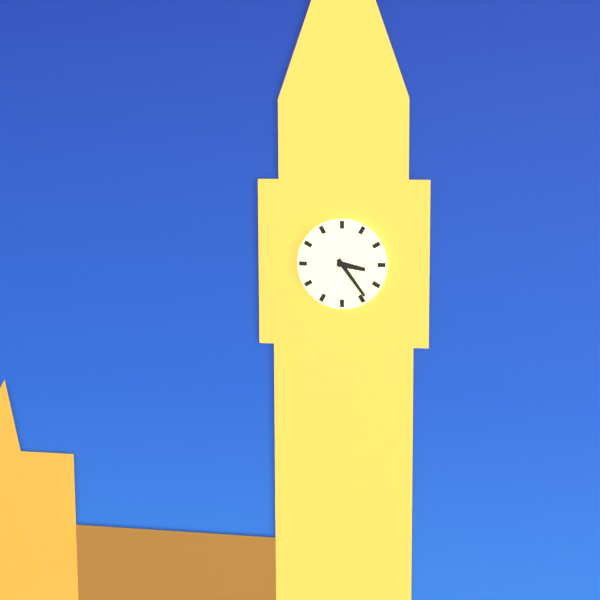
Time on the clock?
3:24
